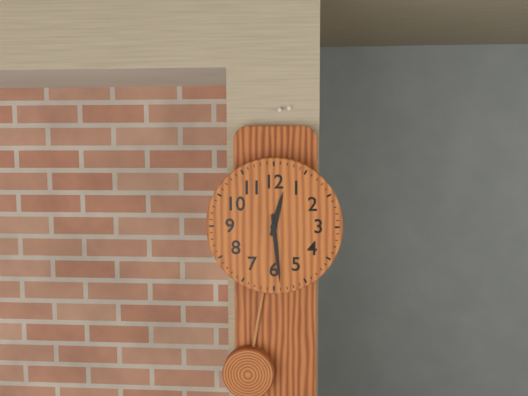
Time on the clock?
12:29
